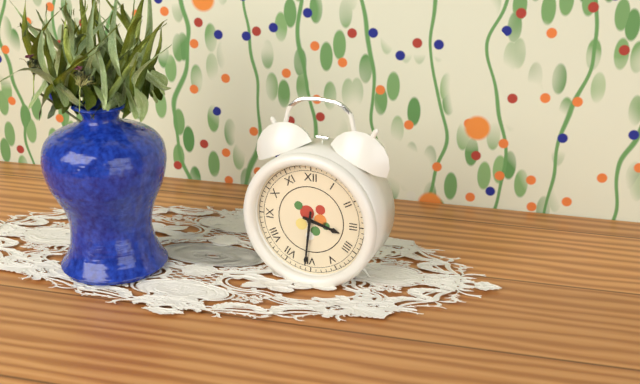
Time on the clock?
3:31
